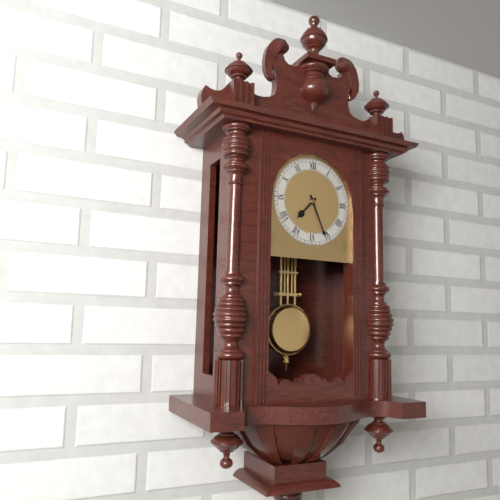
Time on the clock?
7:26
